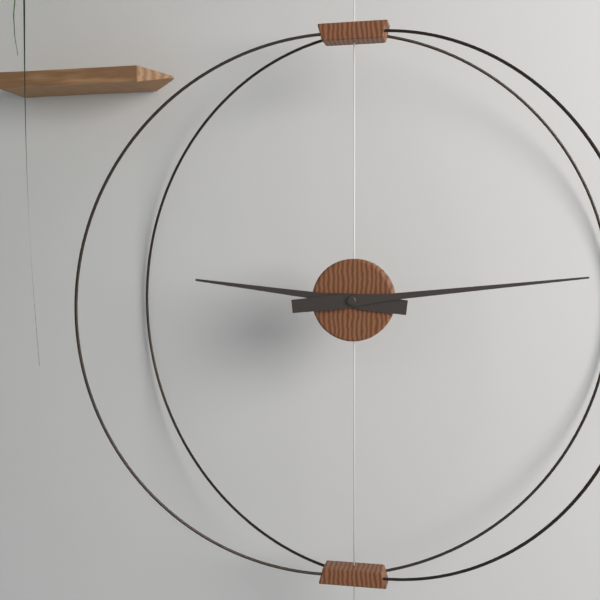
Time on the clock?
9:14
